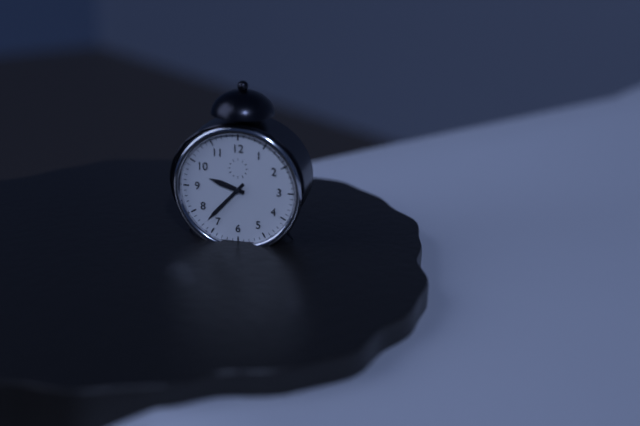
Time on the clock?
9:37
